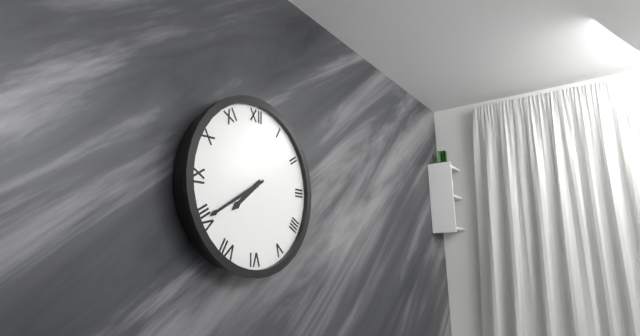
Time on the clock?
7:40
